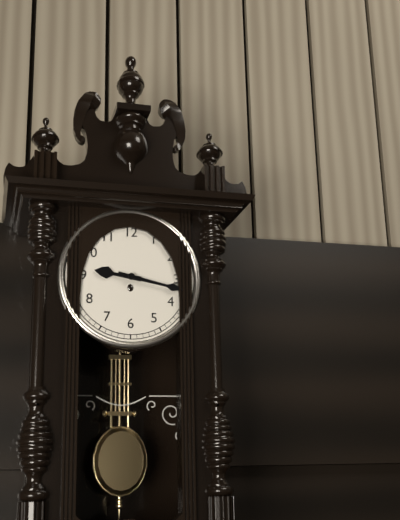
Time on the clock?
9:17
